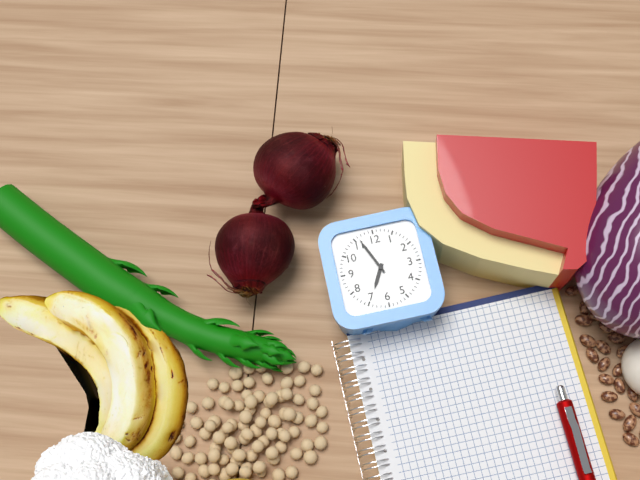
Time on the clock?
6:56
